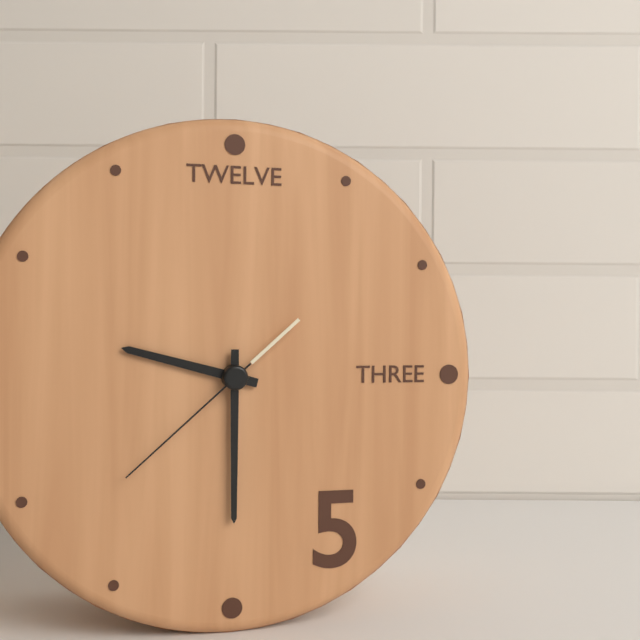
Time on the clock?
9:30:38
